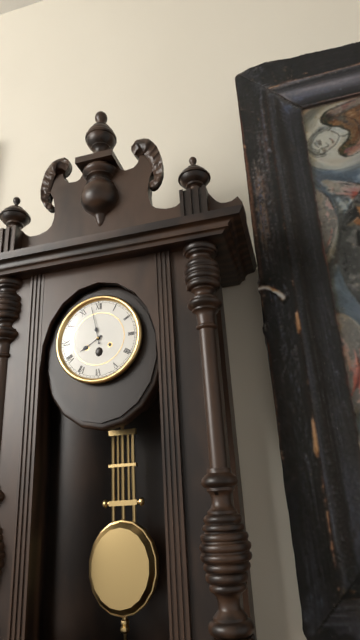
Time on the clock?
7:58
